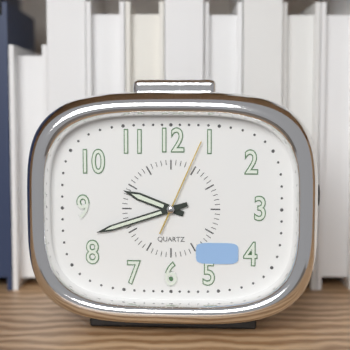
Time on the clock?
9:42:04
